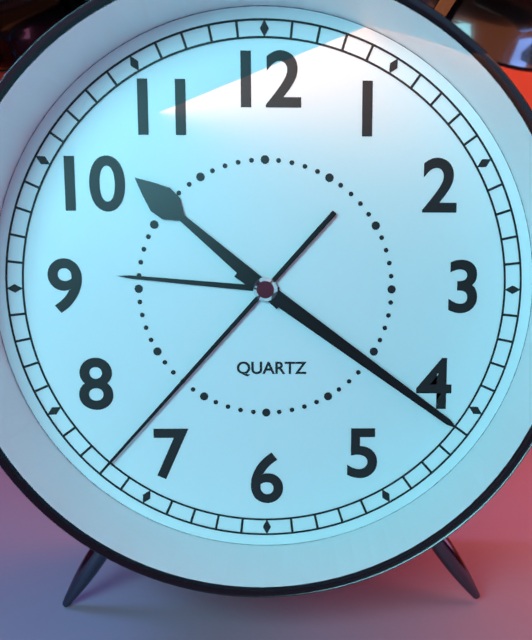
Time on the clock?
10:21:37
